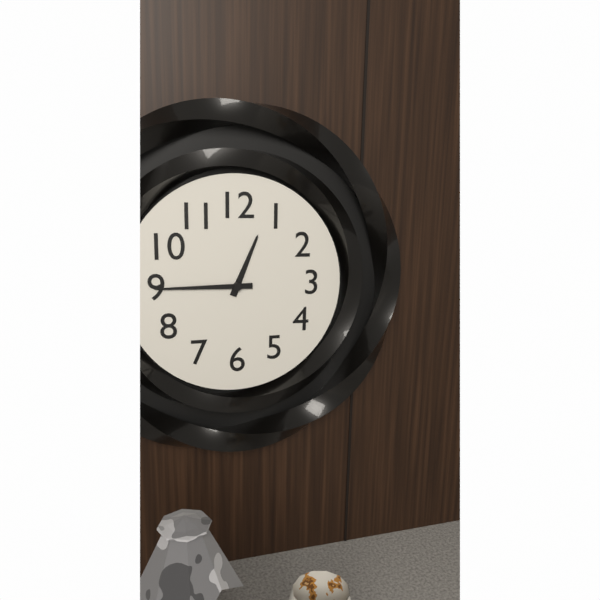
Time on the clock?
12:45
